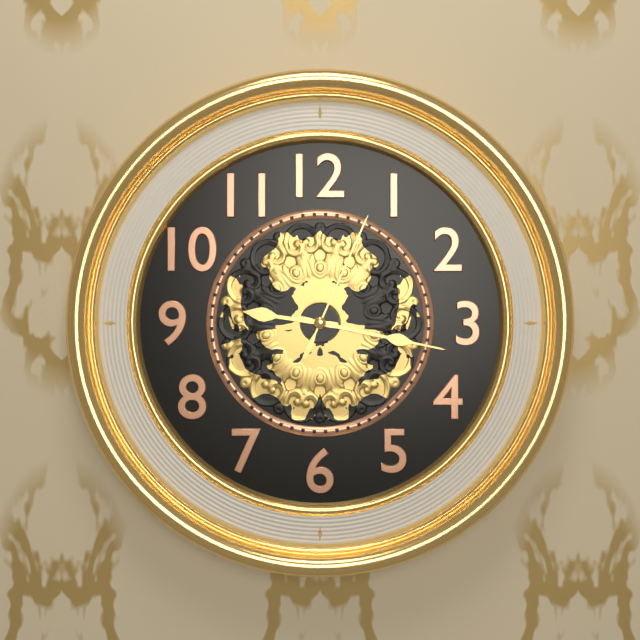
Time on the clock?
9:17:04
